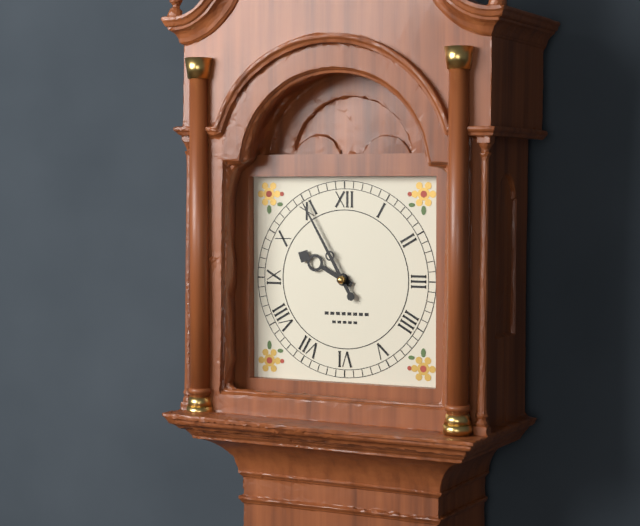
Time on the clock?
9:55
